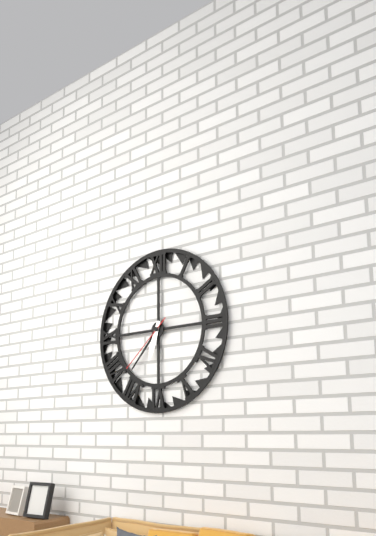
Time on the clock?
6:37:38
